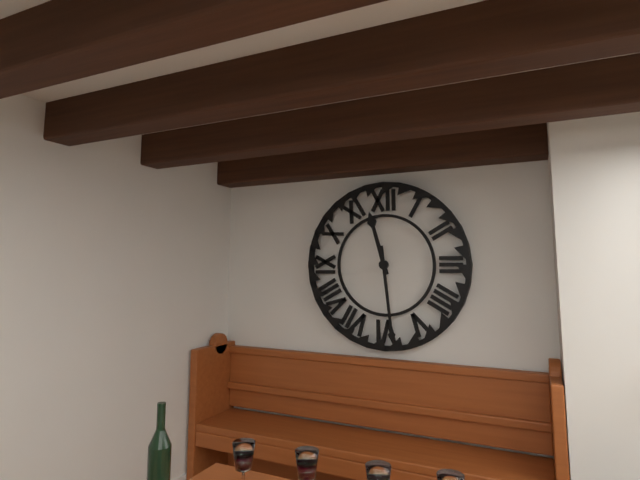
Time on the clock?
11:29
